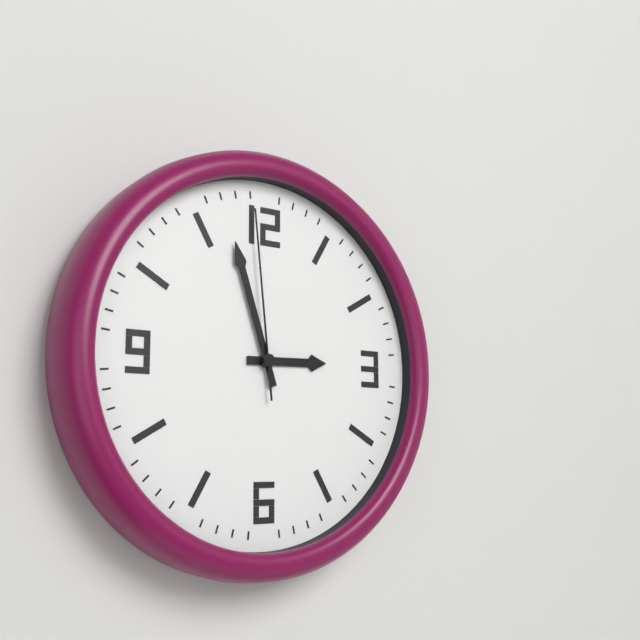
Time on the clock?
2:57:59
